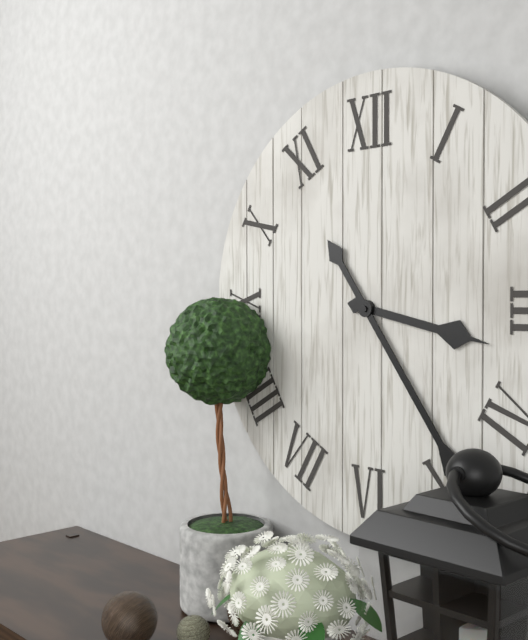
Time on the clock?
3:24
